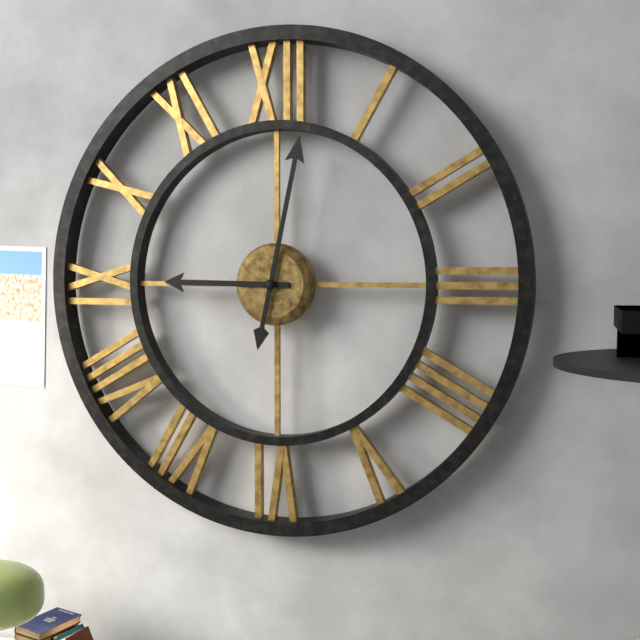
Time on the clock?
9:02
